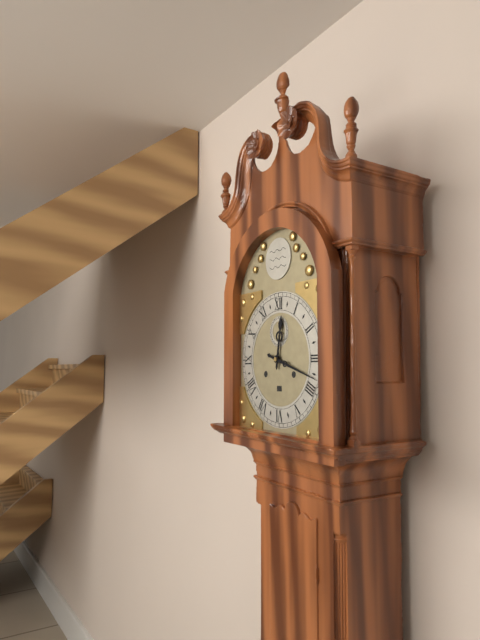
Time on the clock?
12:18
